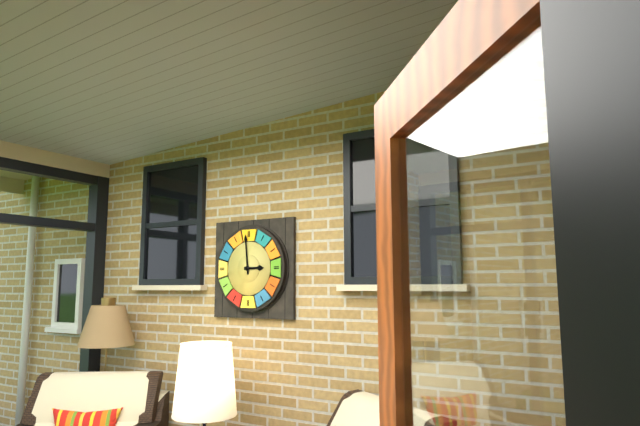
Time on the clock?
2:59
